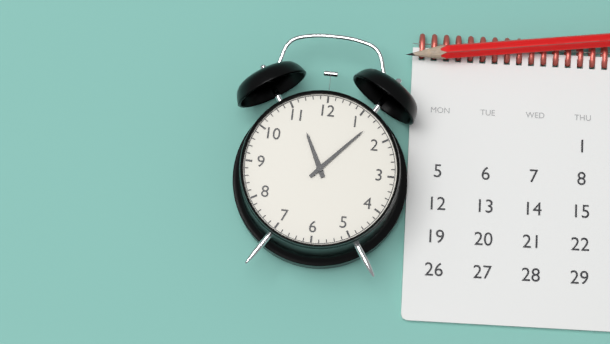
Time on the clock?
11:07
